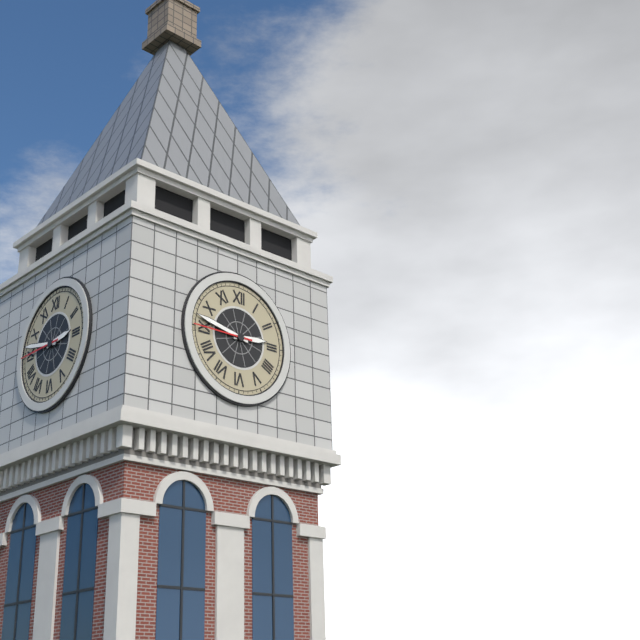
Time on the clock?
2:47:45
